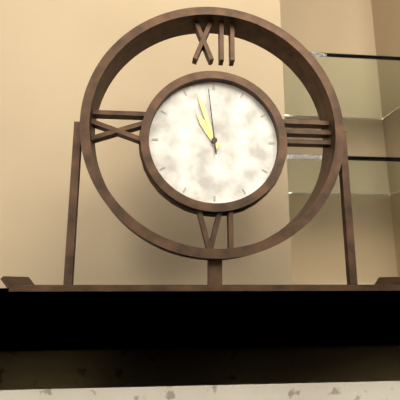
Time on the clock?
10:57:59
